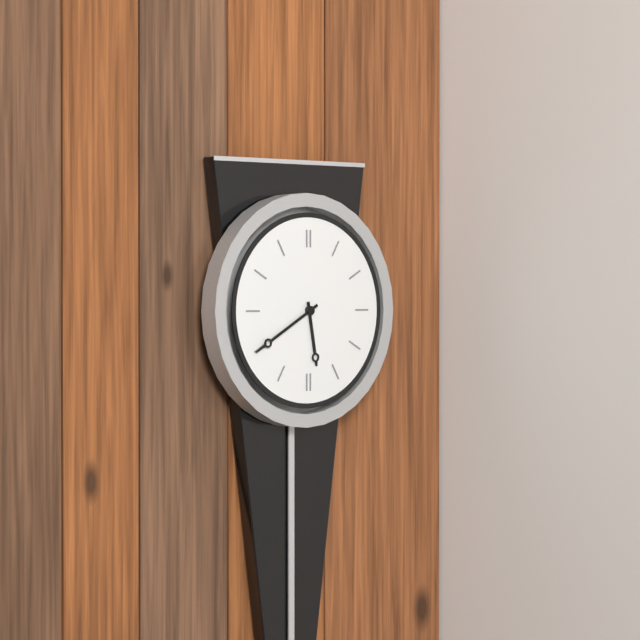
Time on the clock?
5:40
